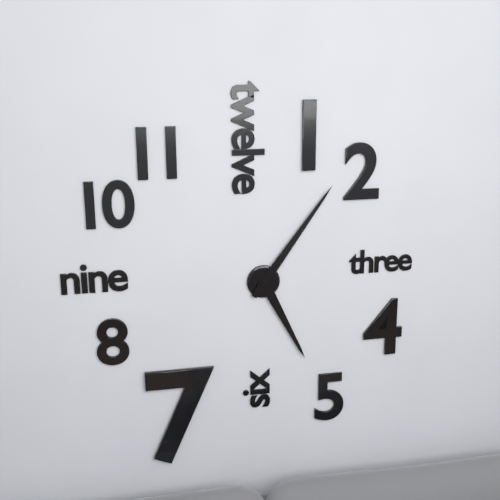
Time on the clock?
5:06
